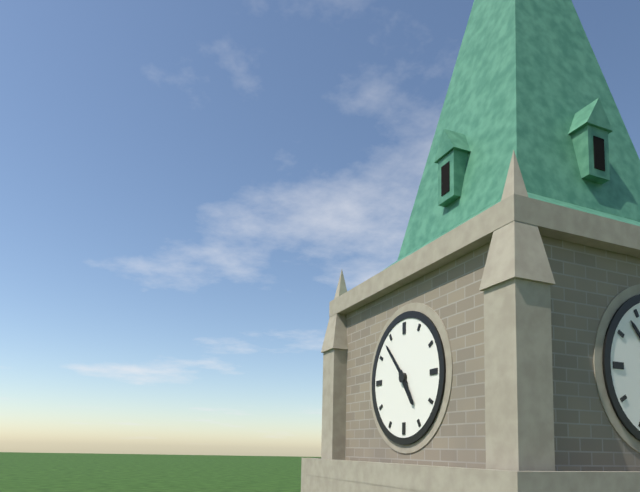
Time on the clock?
4:53
